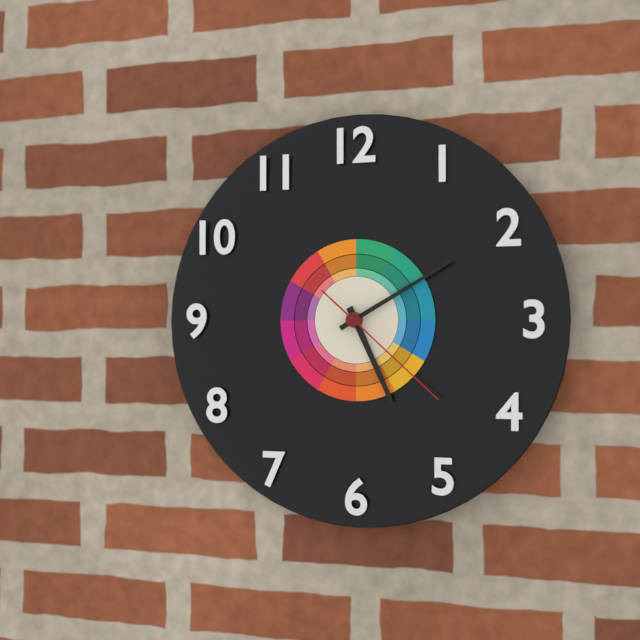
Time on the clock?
5:10:22
